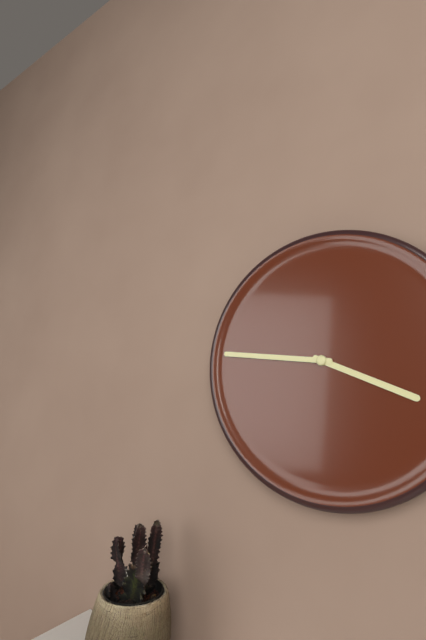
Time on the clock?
3:46
